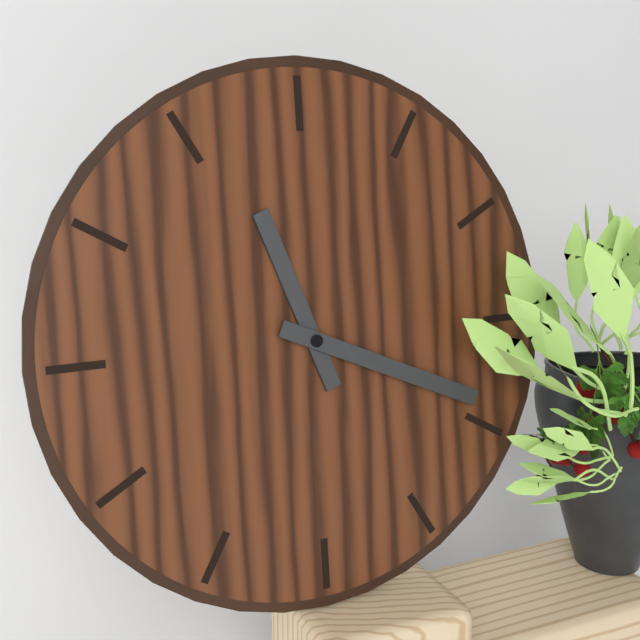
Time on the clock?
11:19
